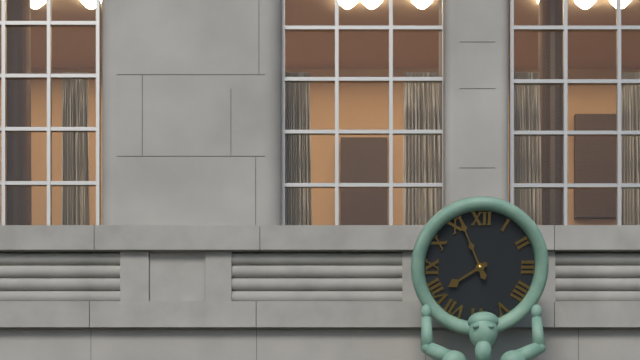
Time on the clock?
7:56
